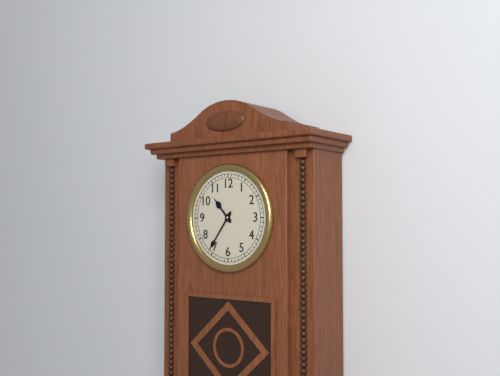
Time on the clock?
10:36
